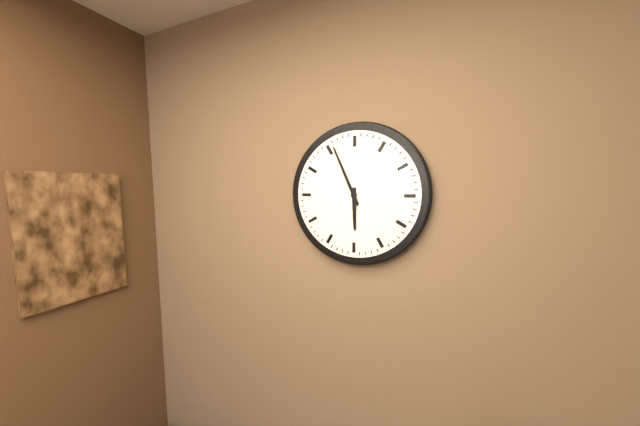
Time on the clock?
5:56
